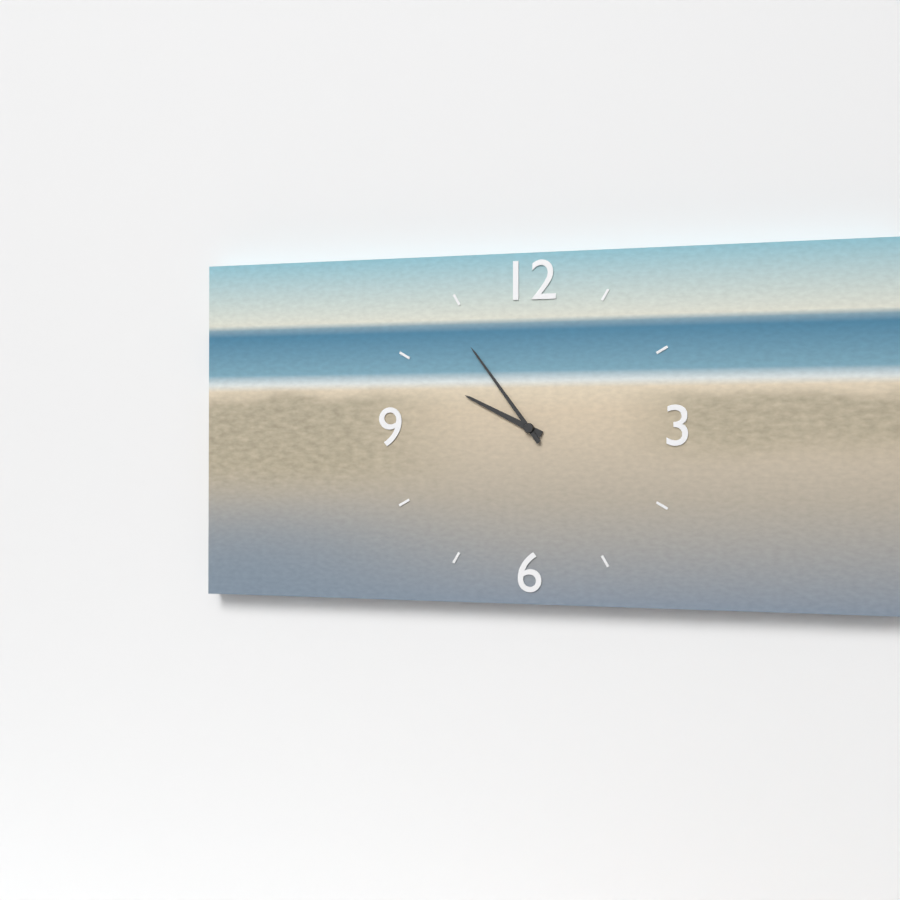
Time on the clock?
9:54
